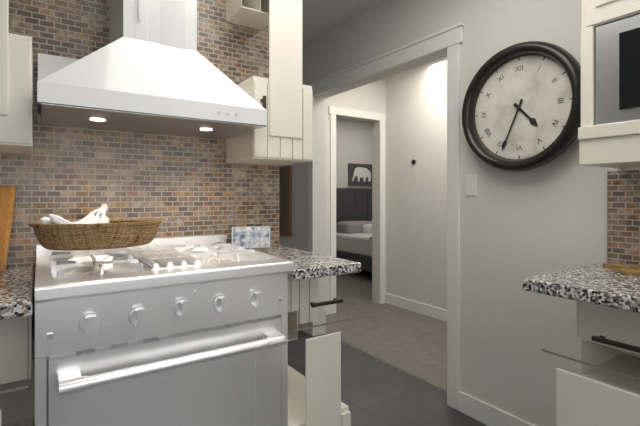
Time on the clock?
4:34
